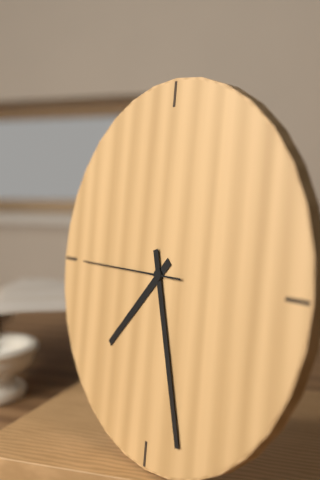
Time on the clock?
7:27:45
